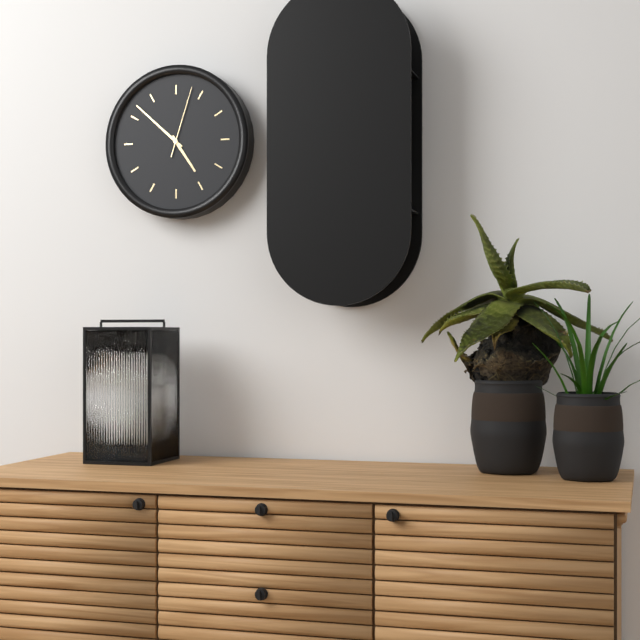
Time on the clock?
4:52:03
